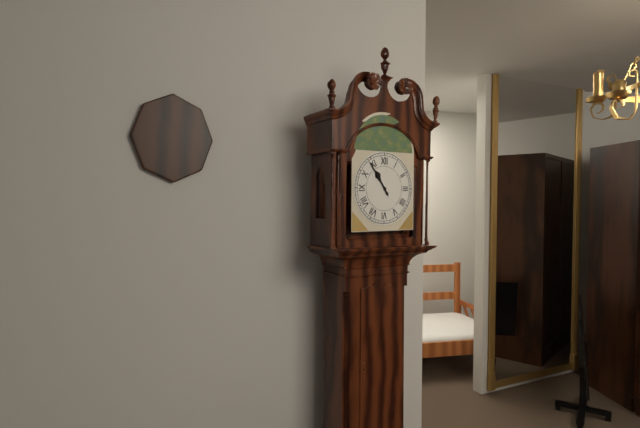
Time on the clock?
10:54
